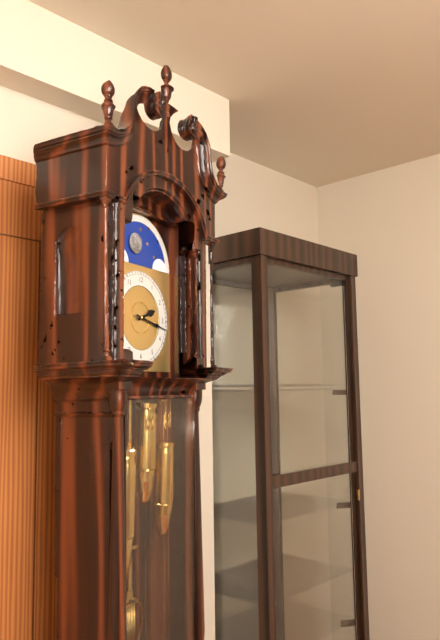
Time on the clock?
2:17
